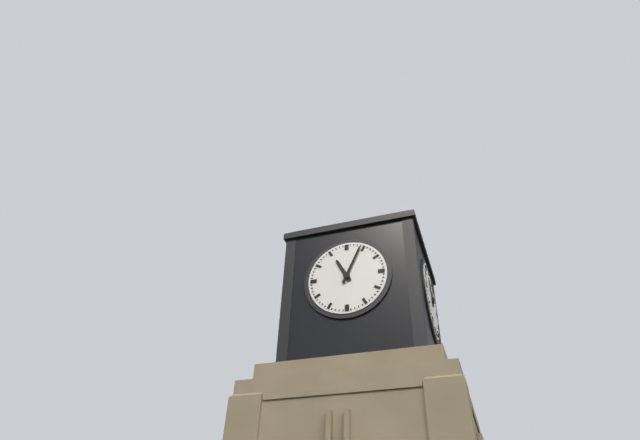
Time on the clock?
11:04
